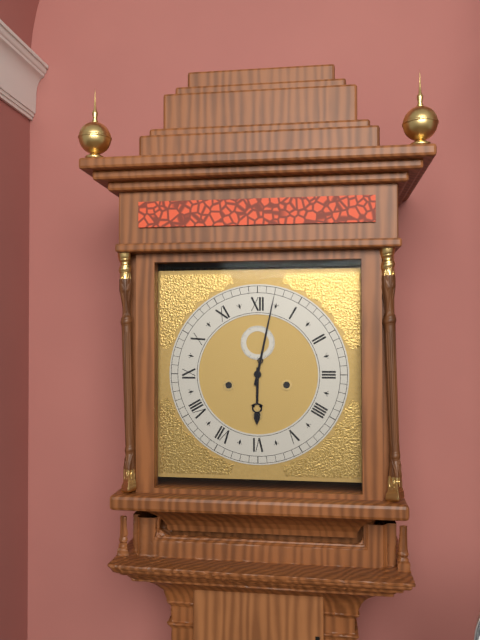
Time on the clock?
6:02
